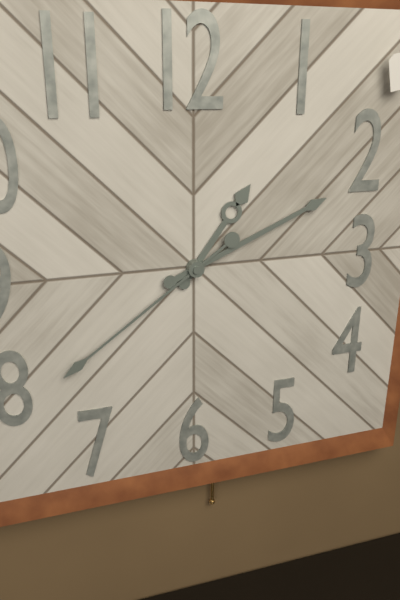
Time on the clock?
1:11:39
